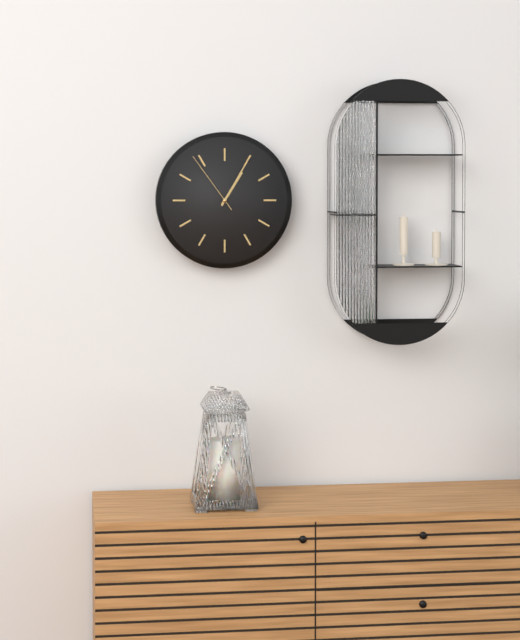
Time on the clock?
1:05:54
